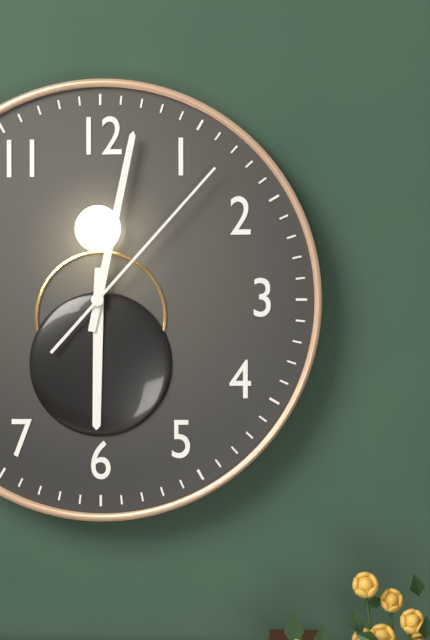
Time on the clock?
6:02:07
